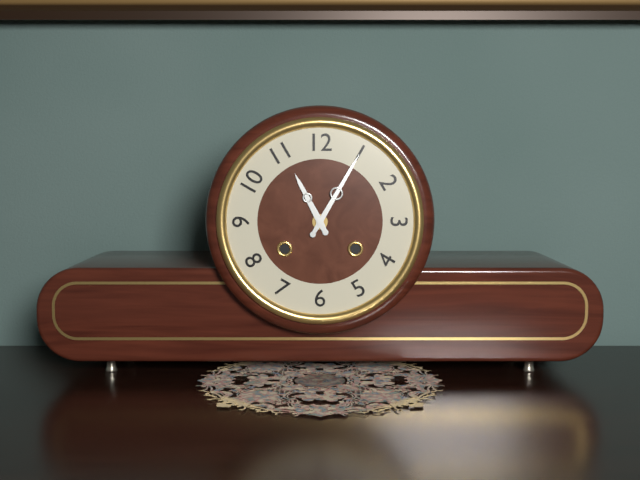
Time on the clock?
11:05
